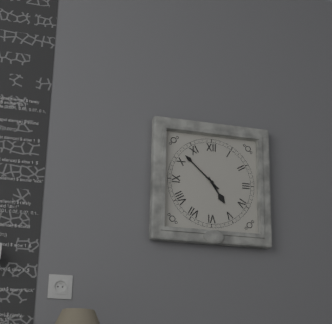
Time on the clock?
4:52
